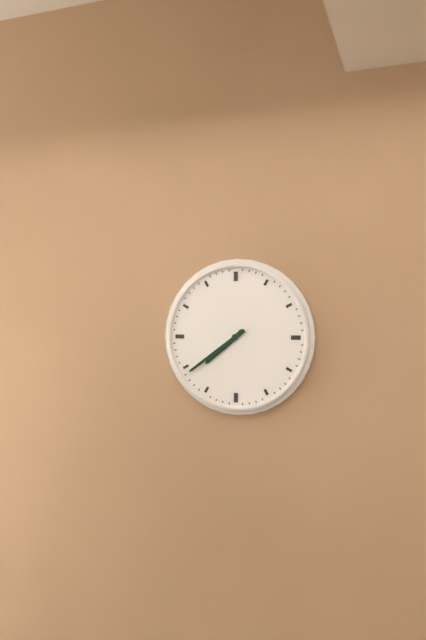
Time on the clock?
7:39
